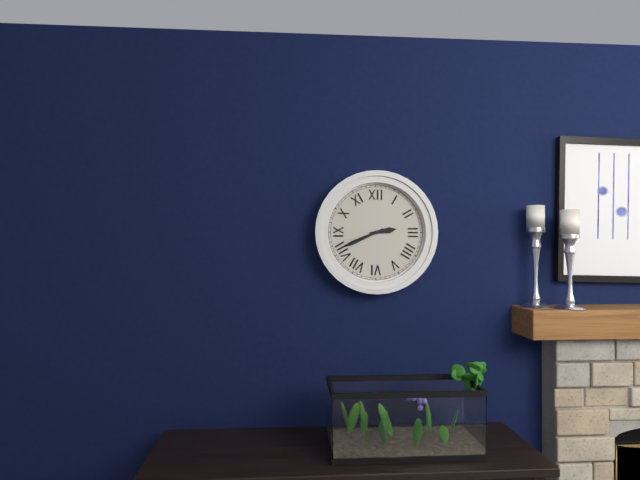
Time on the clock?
2:41
